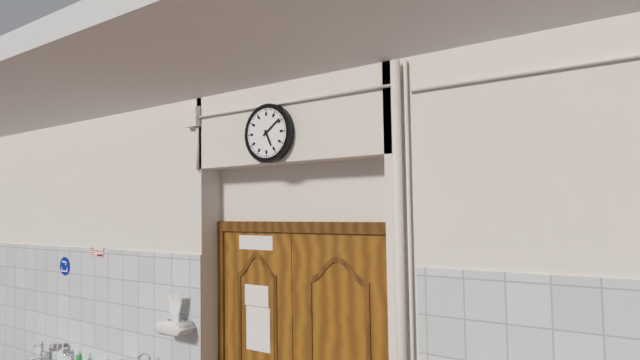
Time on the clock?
5:09
